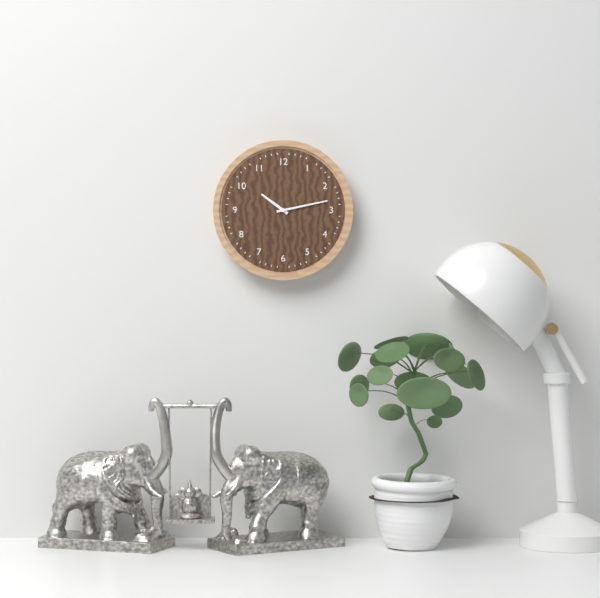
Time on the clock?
10:13
